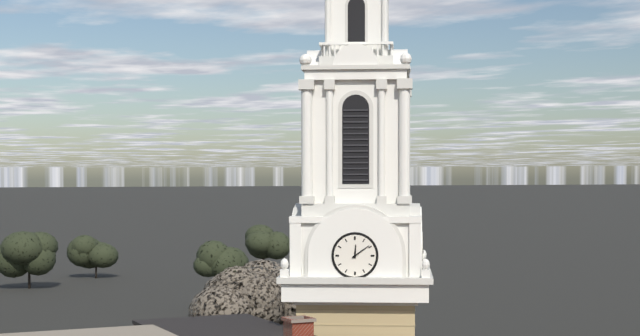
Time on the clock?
12:09
